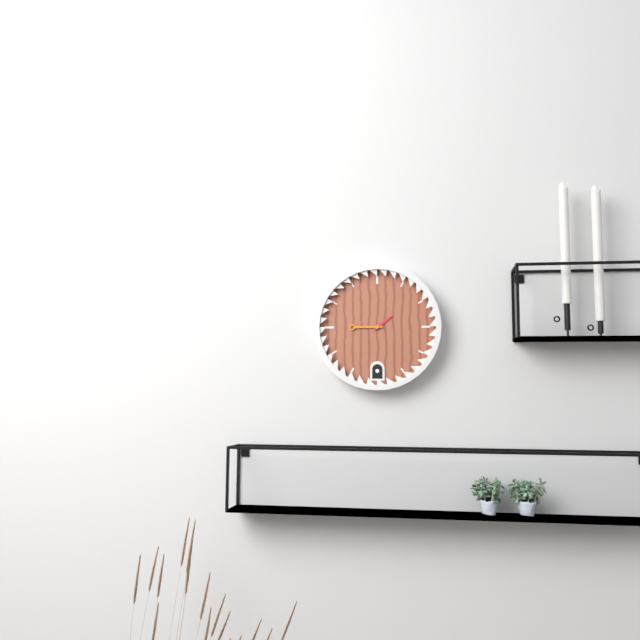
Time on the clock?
1:45
